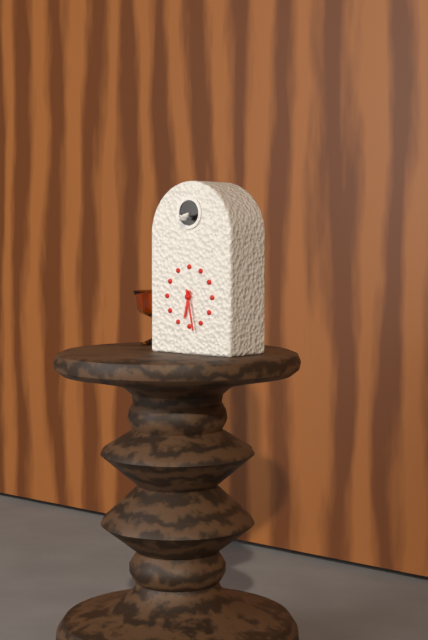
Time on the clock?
6:28
